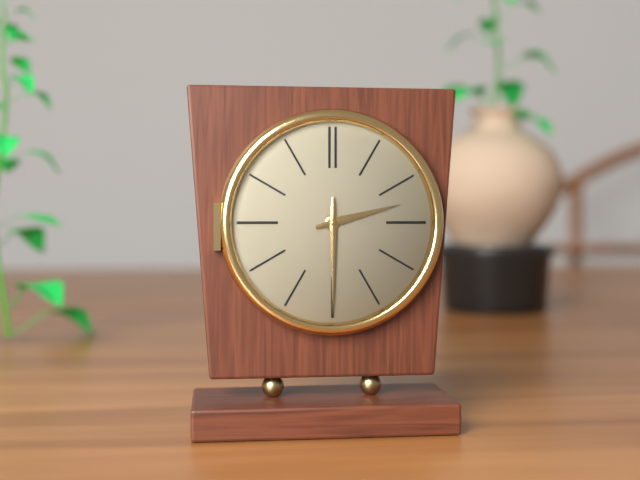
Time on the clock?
2:30
